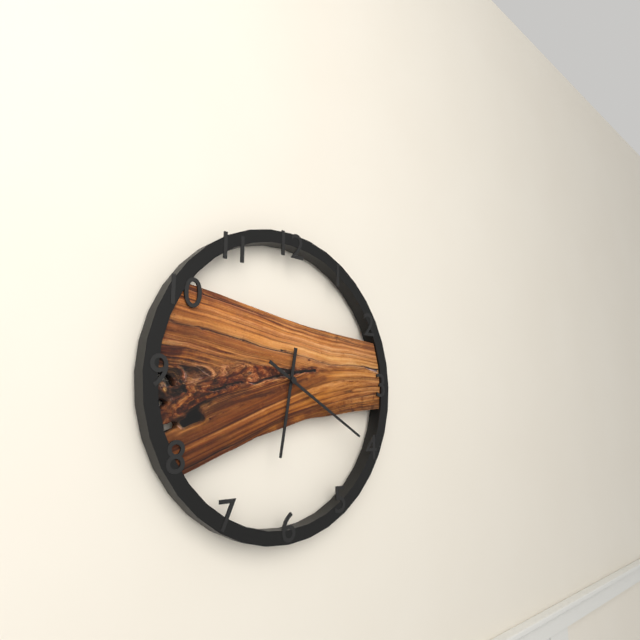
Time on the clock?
6:20
